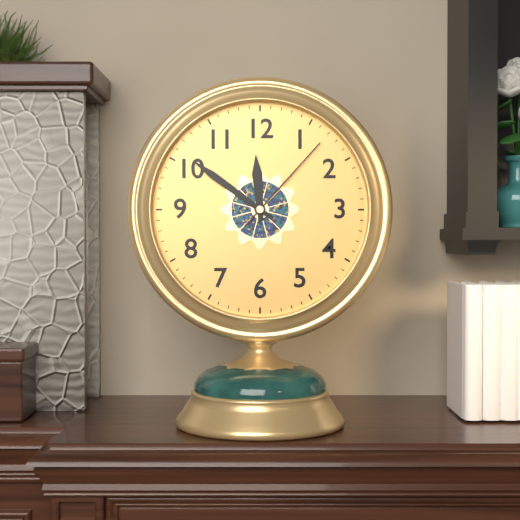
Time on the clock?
11:51:07
